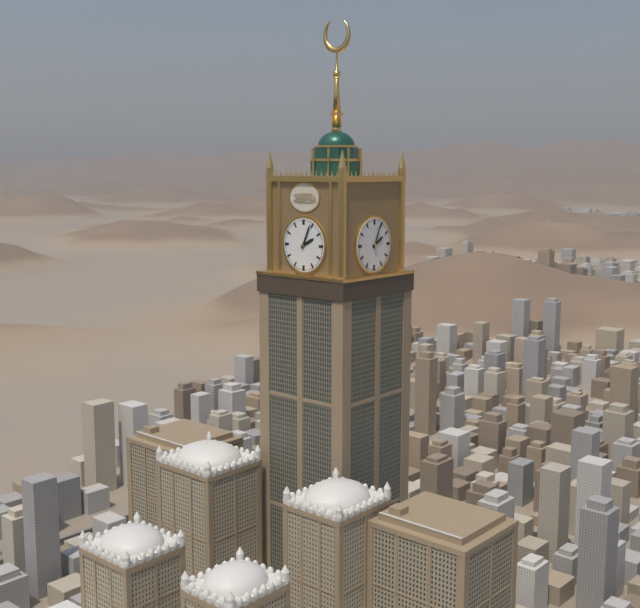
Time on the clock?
2:04
